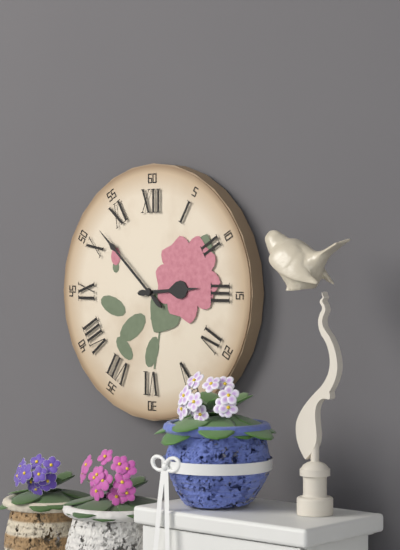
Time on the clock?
2:52
